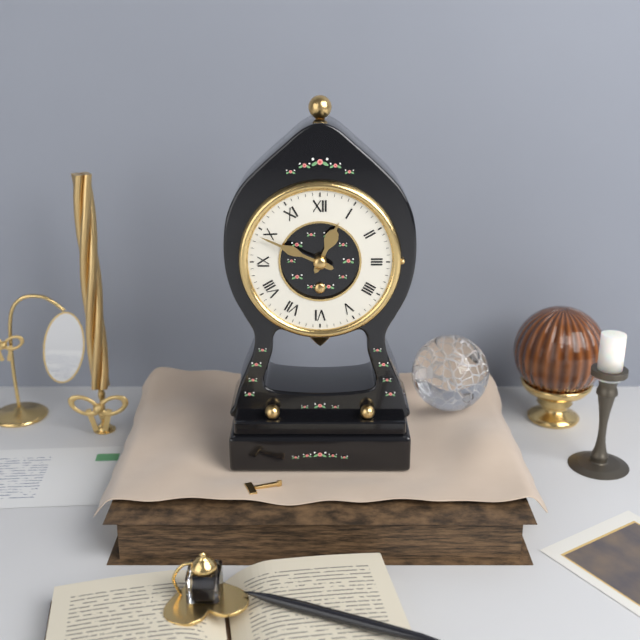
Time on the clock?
12:49
